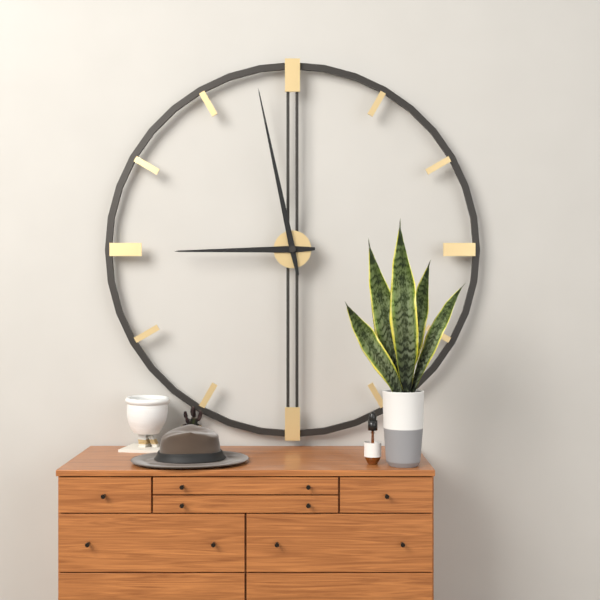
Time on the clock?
8:58
